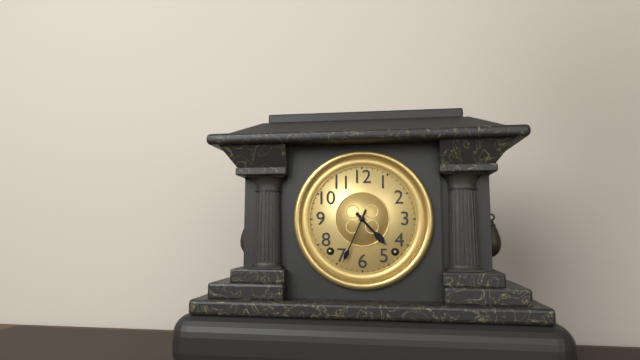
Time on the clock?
4:34
